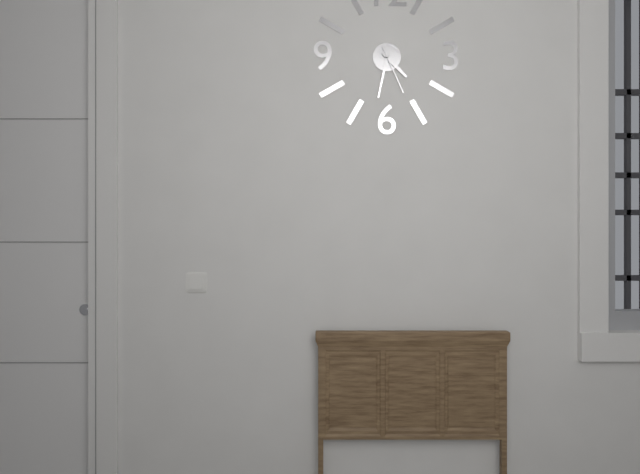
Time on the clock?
4:32
